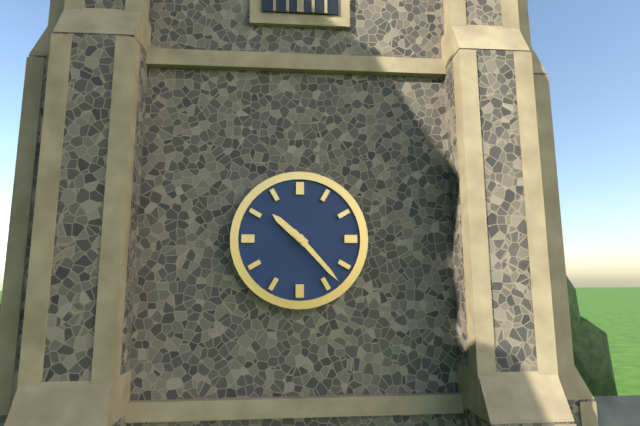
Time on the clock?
10:23
